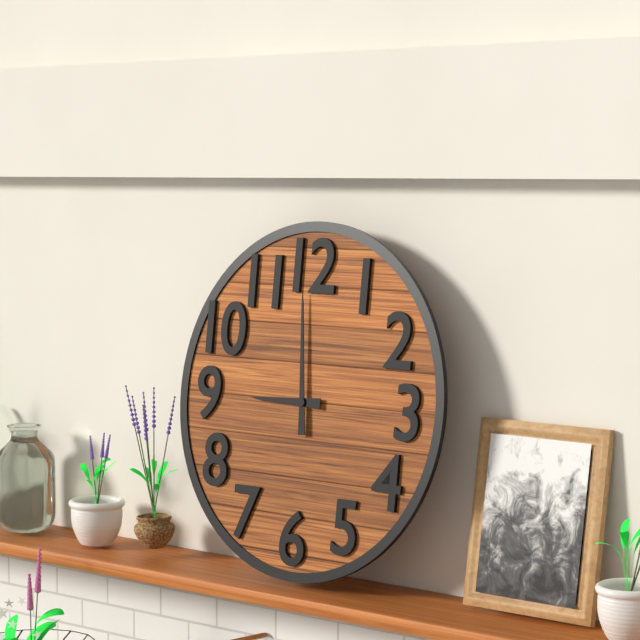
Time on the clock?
8:59
